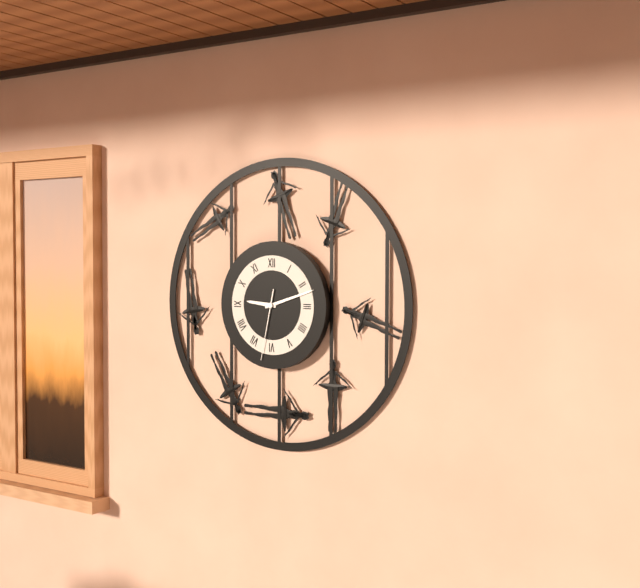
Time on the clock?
9:12:32
